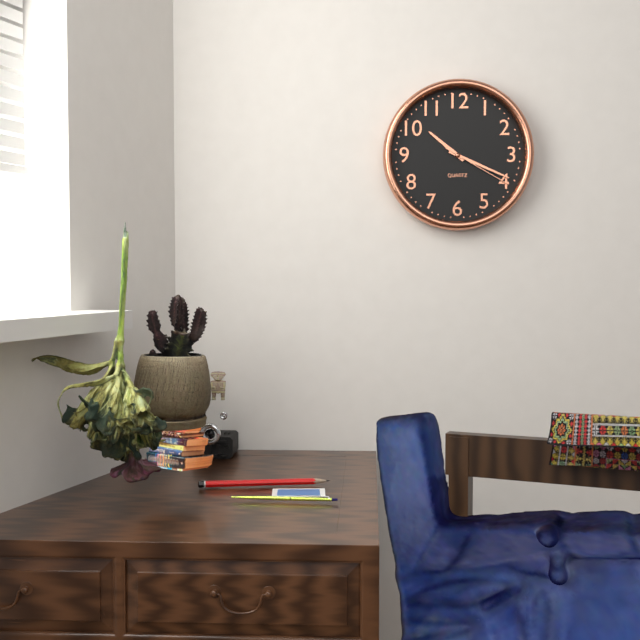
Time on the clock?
10:19:20
